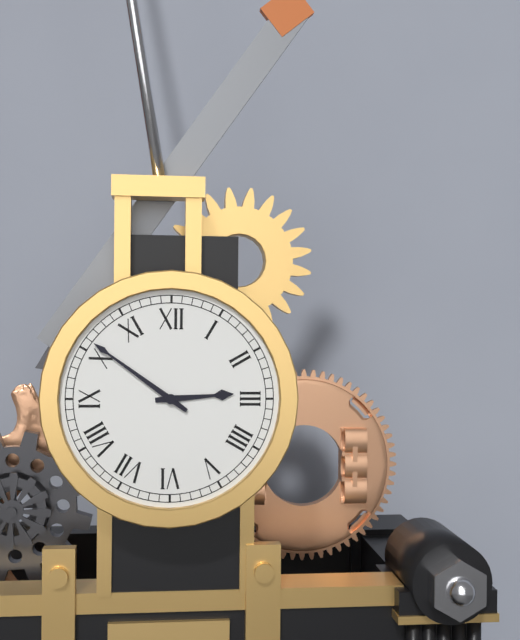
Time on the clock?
2:51
